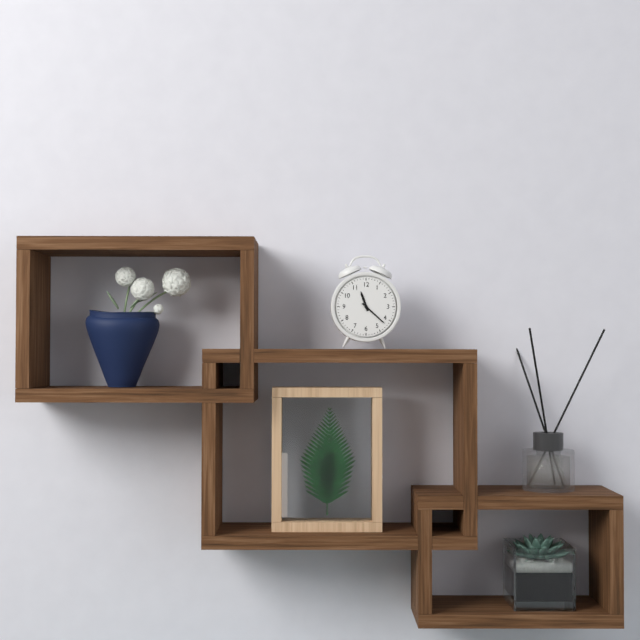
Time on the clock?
11:22
